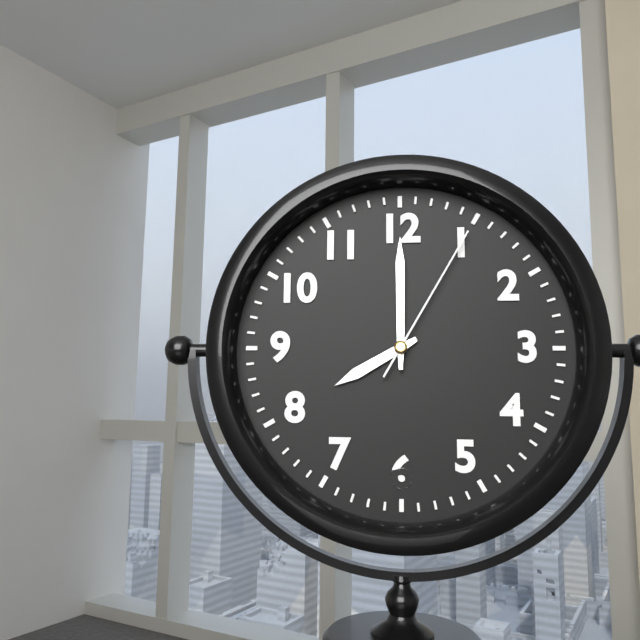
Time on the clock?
8:00:05
